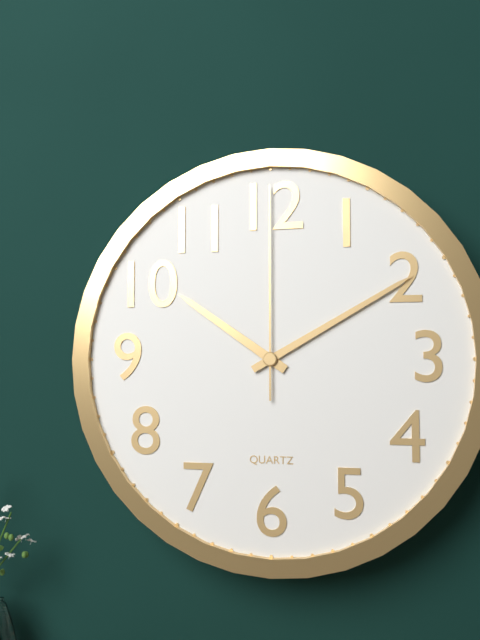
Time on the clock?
10:10:00
